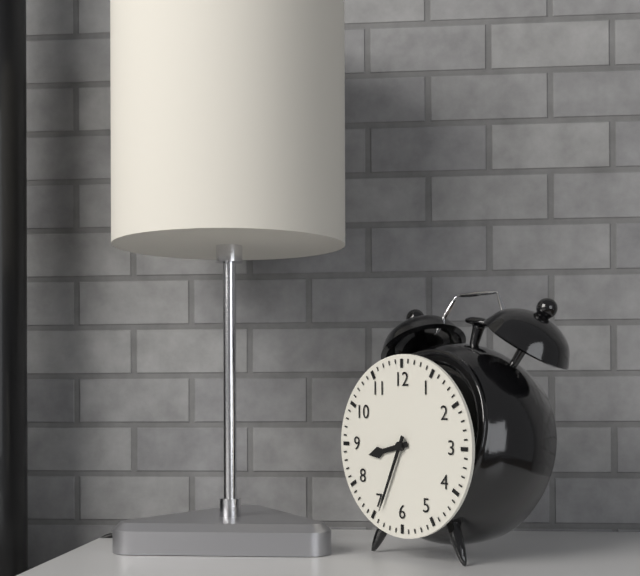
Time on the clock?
8:34
